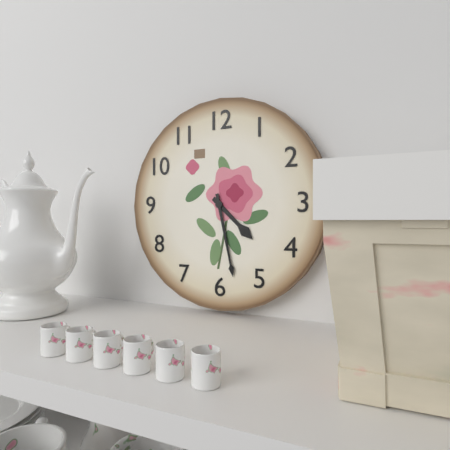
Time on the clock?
4:28
